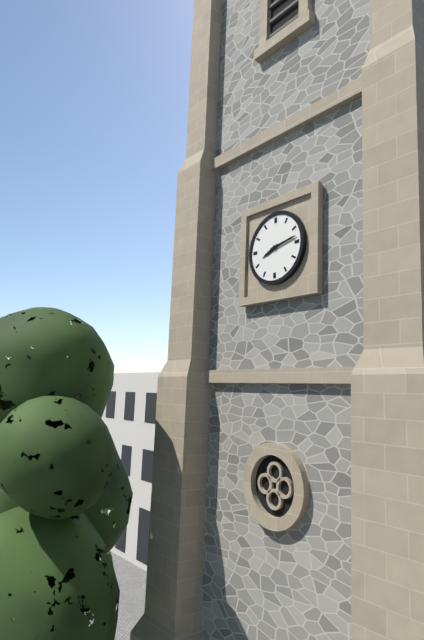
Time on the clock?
8:13
